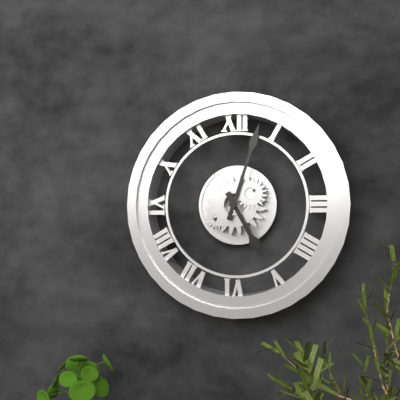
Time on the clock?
5:03
